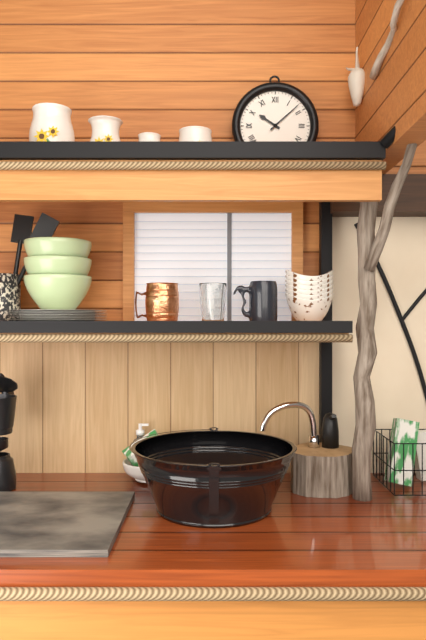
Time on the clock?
10:08
